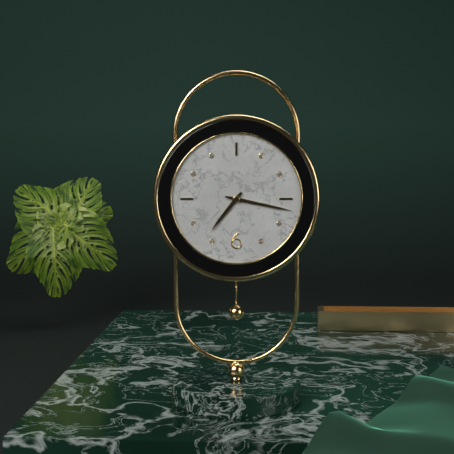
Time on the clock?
7:17
